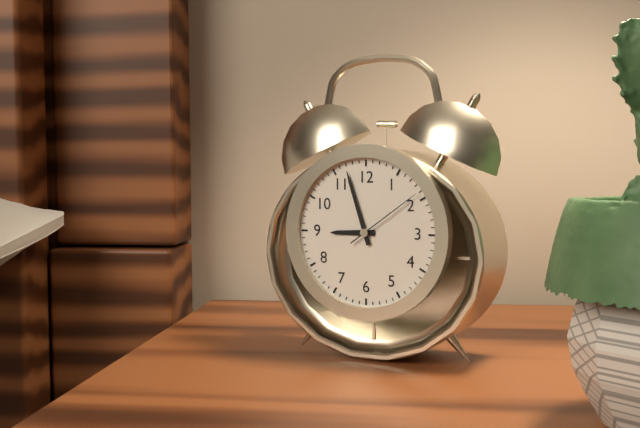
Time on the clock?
8:57:09
